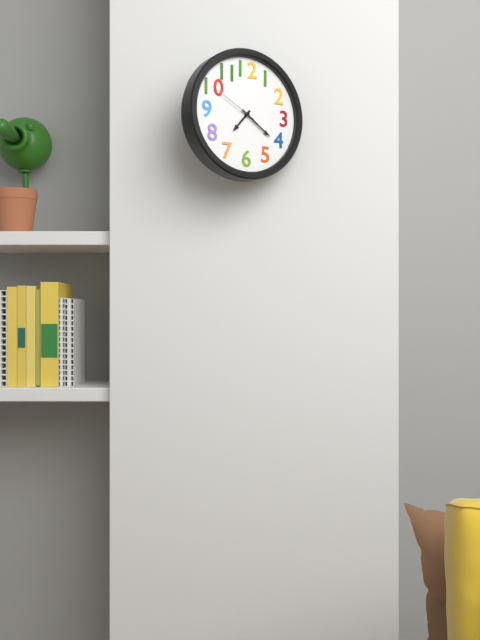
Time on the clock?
7:21:50
